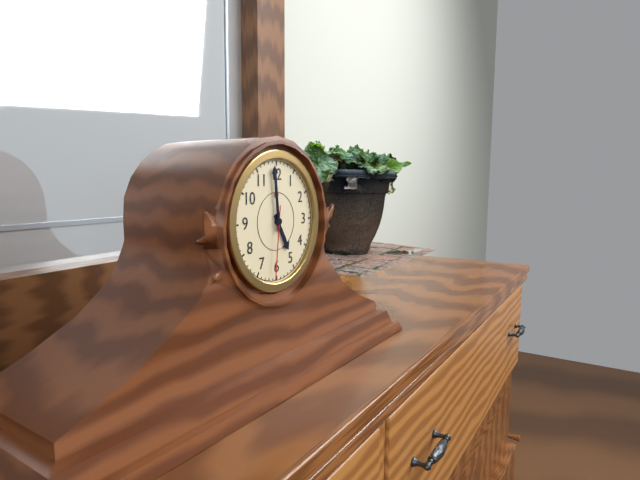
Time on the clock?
4:59:31
